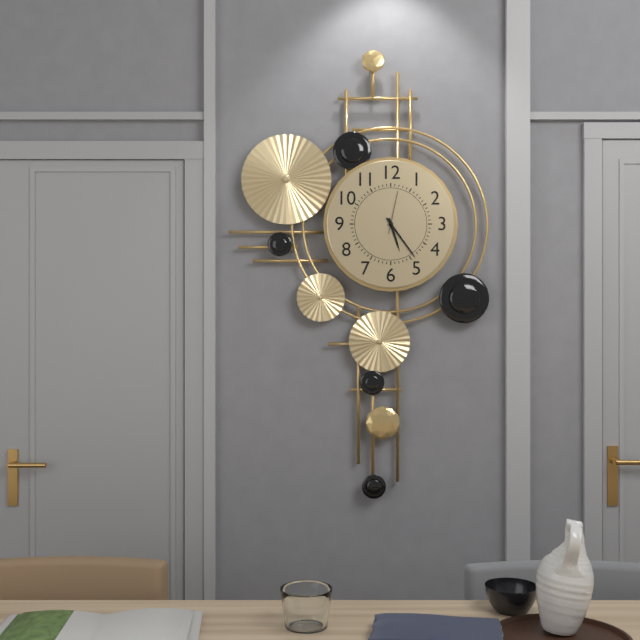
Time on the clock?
5:24
